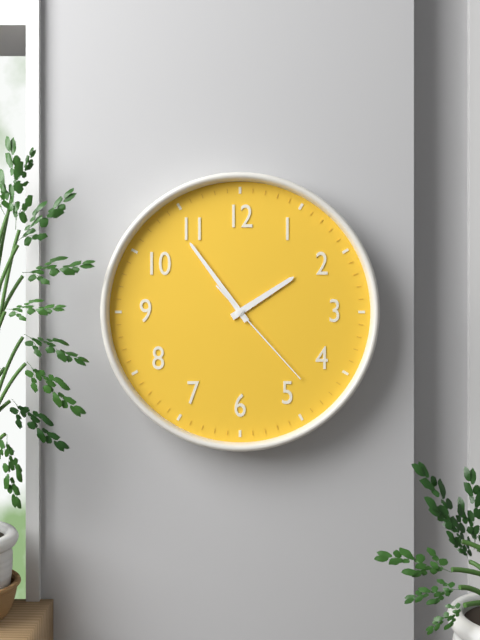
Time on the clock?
1:54:23
